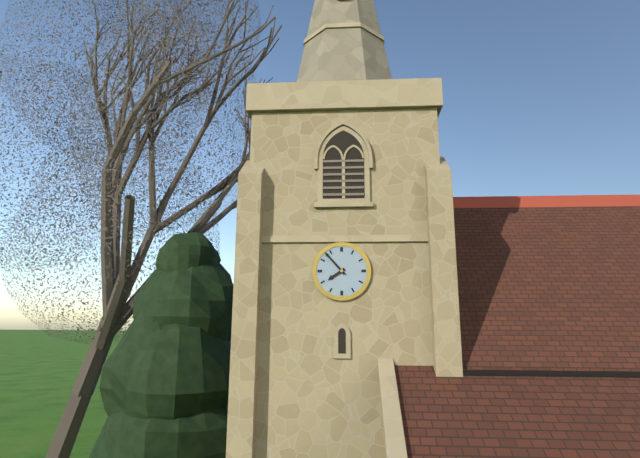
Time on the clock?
7:53
